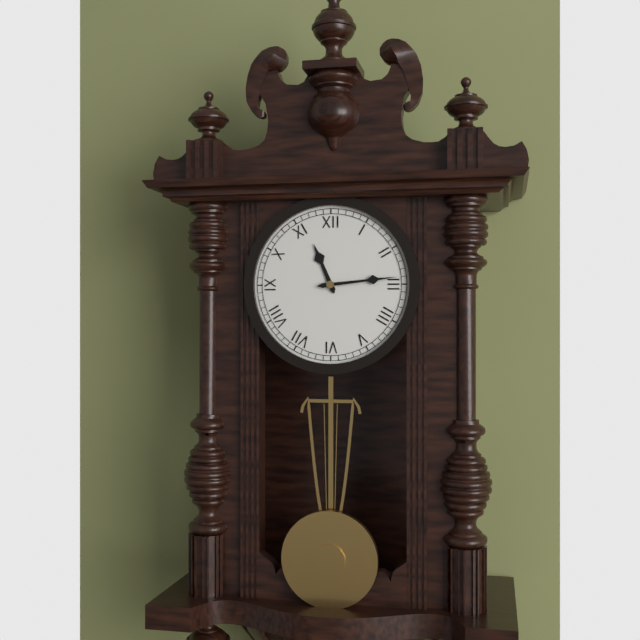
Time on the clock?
11:14
